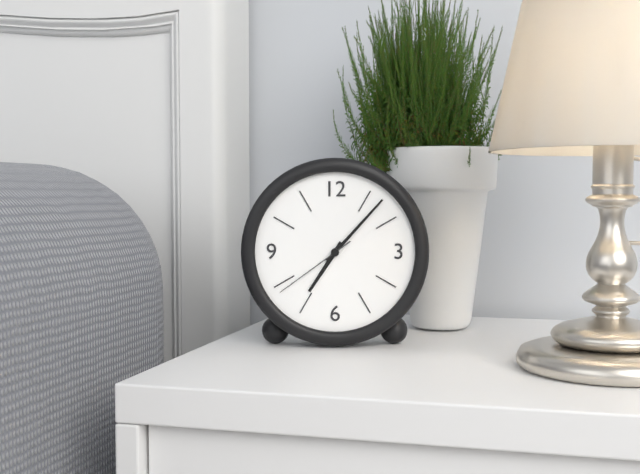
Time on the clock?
7:07:39
